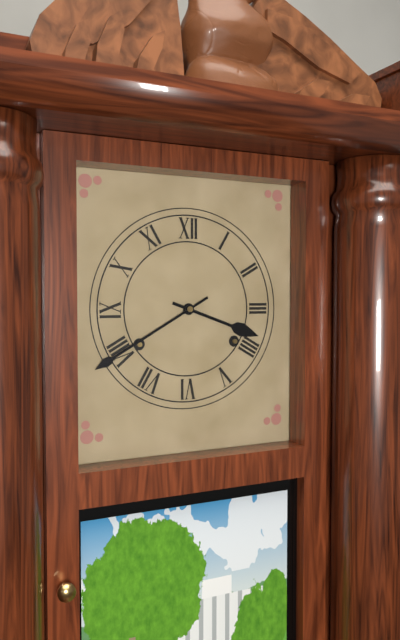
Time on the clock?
3:40
